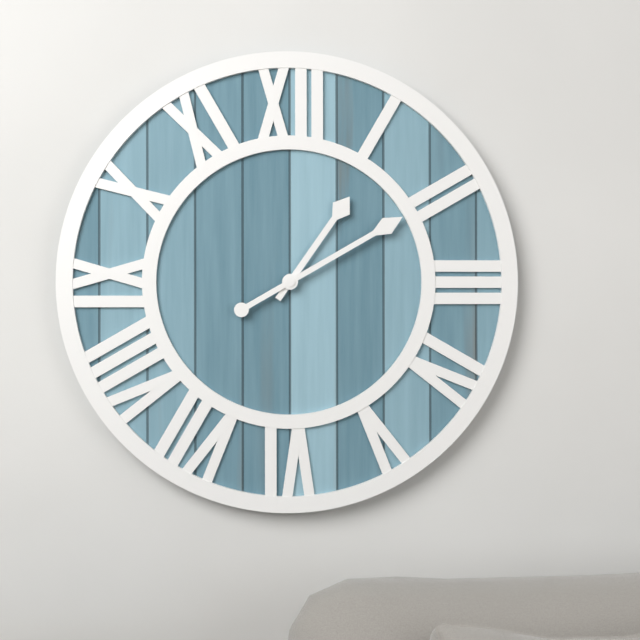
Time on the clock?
1:10
